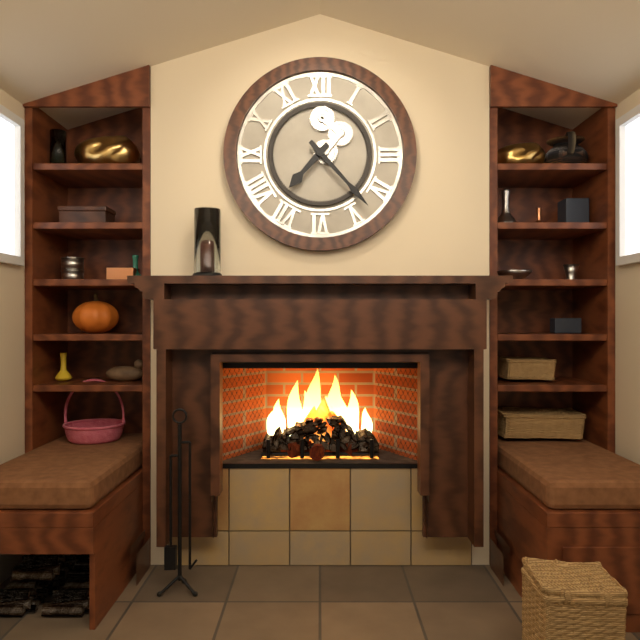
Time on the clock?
7:23
